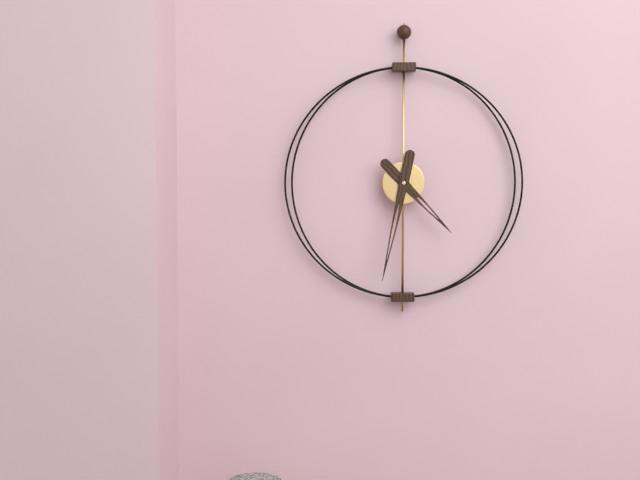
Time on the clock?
4:32
